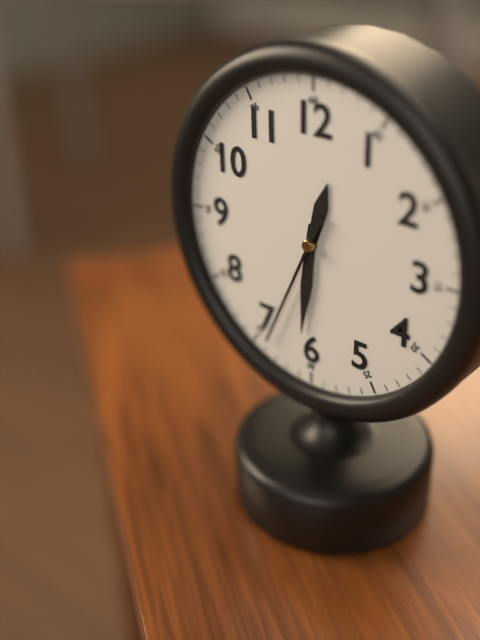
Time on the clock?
12:31:34
